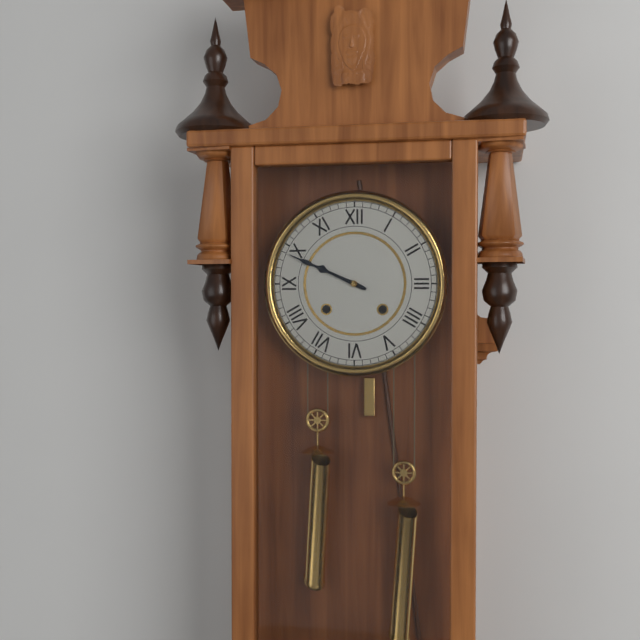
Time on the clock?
9:49
